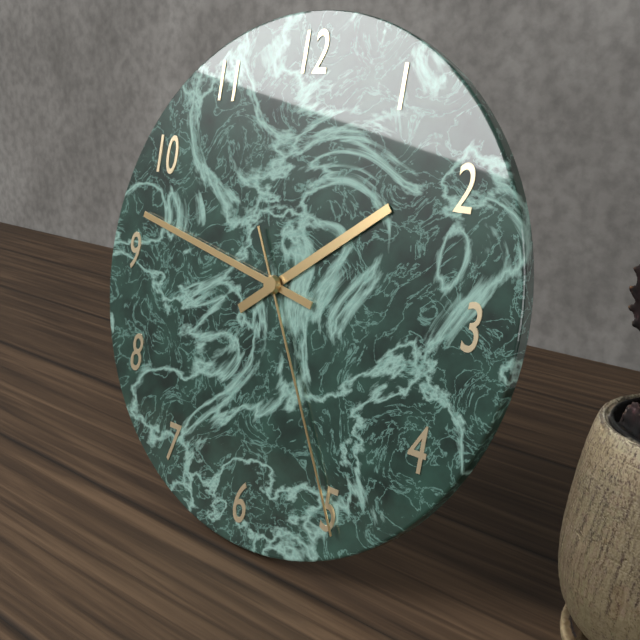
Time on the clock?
1:47:25
